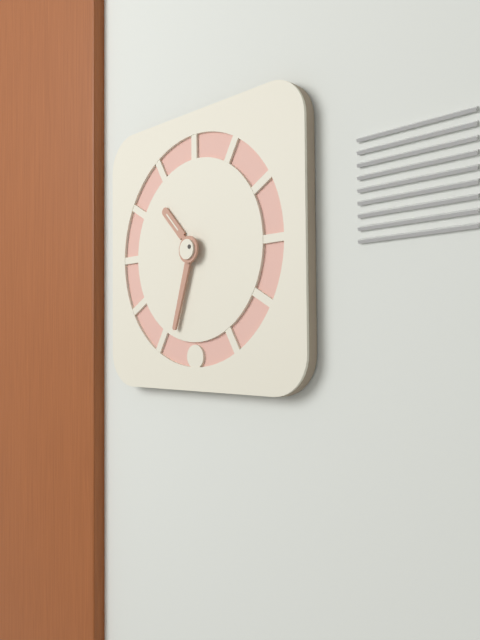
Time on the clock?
10:33
